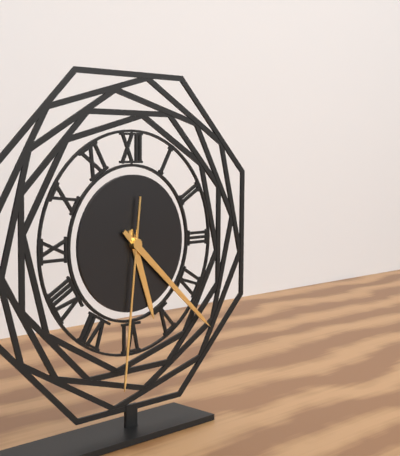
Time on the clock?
5:22:31
